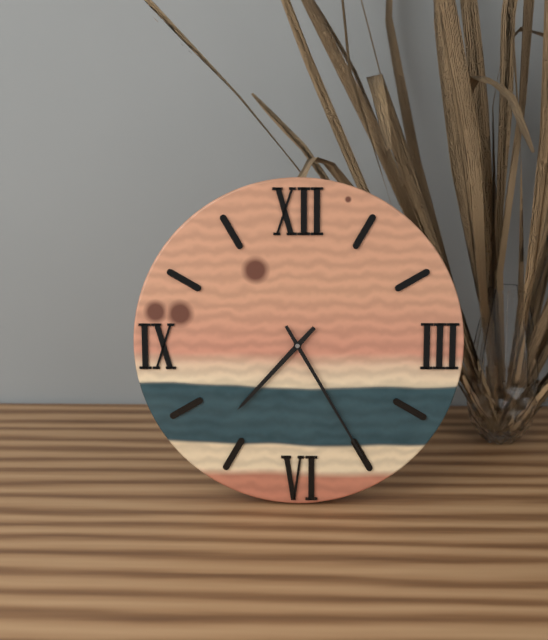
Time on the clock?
7:25
